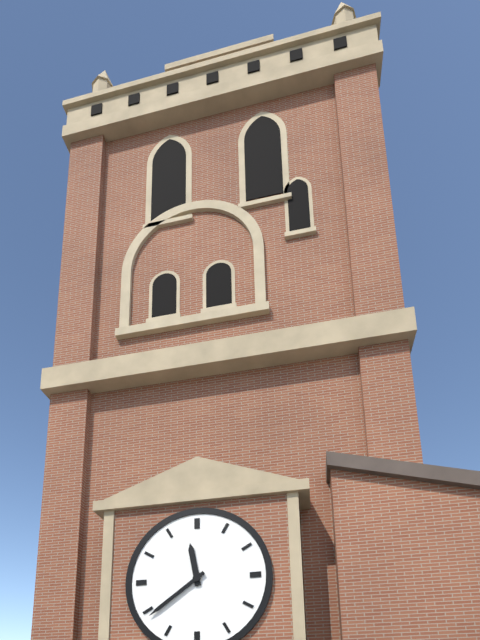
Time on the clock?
11:39
